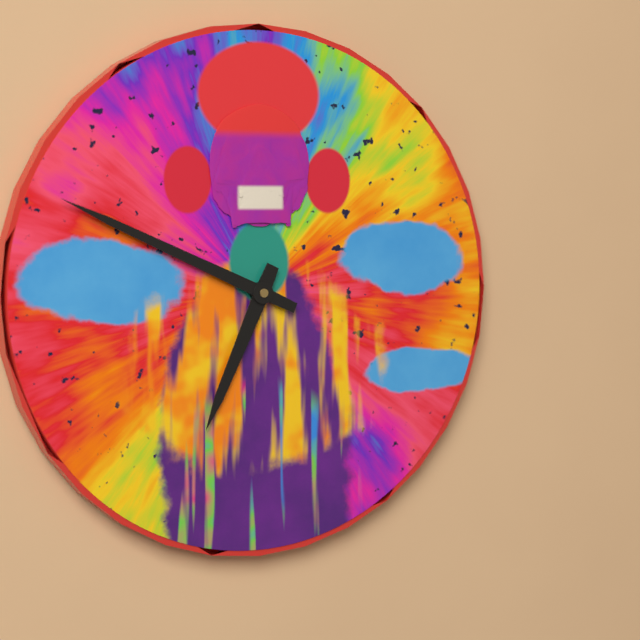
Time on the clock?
6:49
